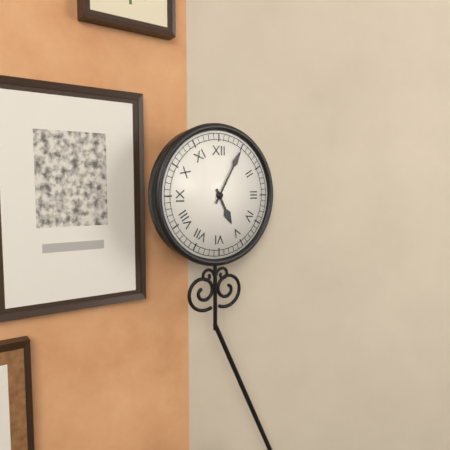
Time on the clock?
5:05
